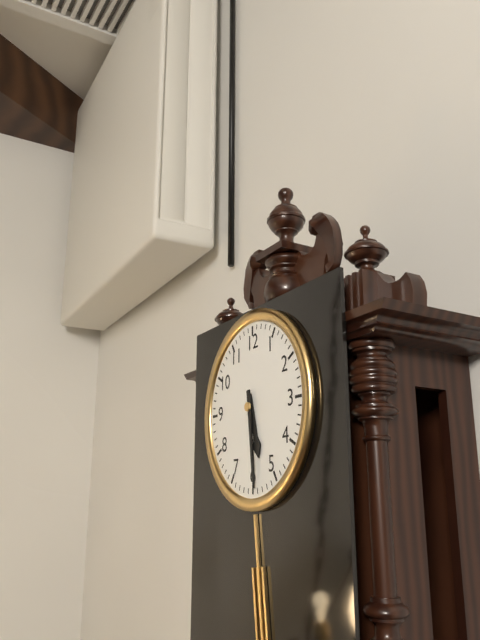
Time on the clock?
5:29
